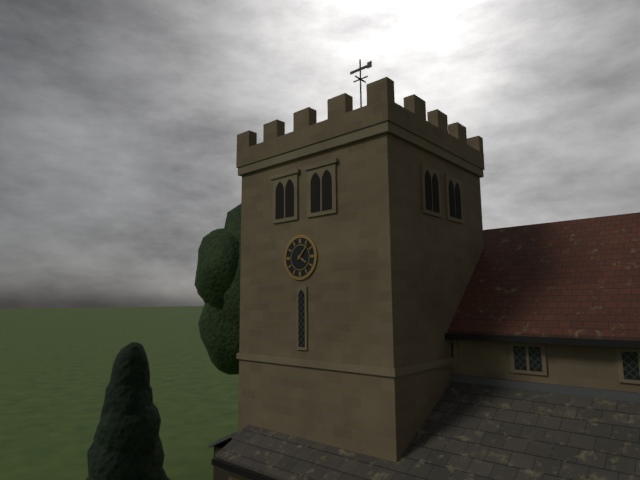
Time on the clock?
4:07
